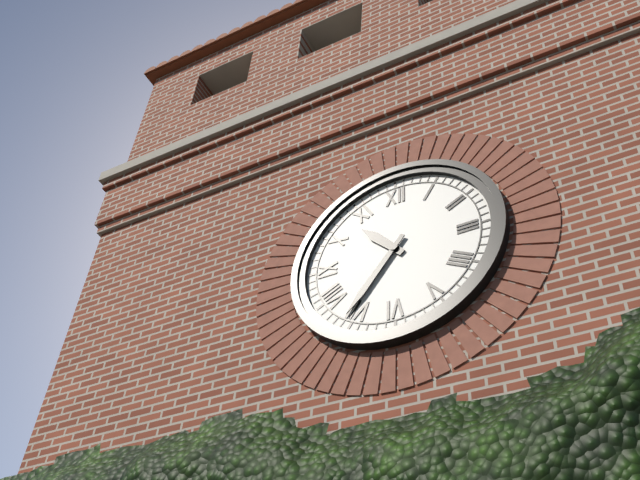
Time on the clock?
10:36
